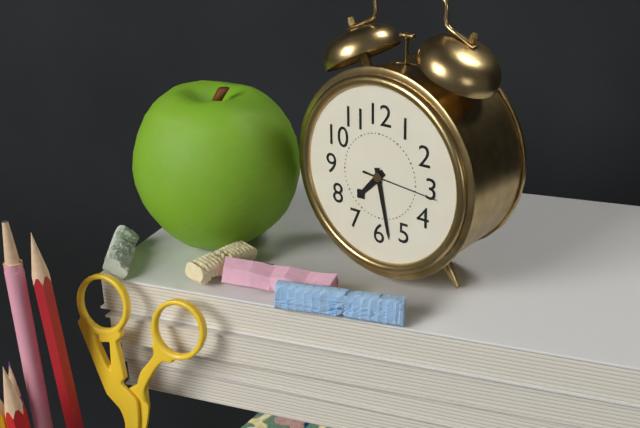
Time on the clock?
7:28:16
